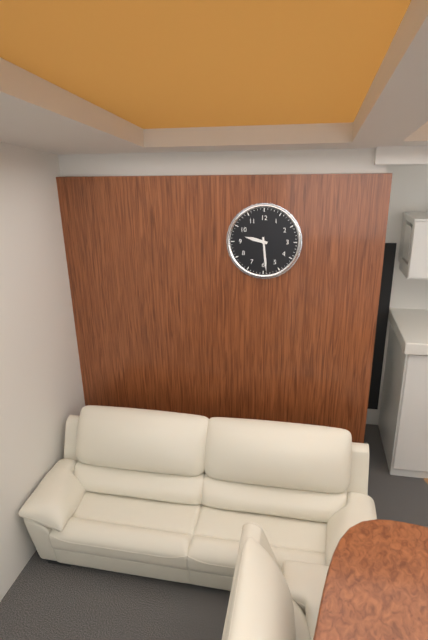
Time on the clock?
9:29
